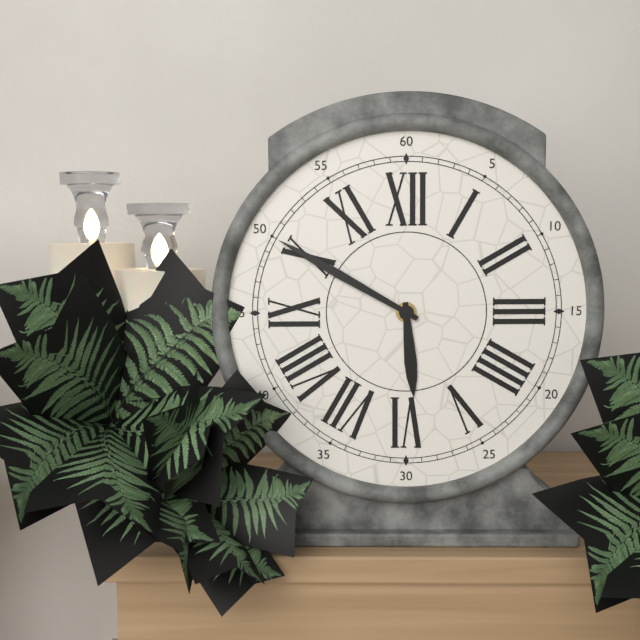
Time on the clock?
5:50
